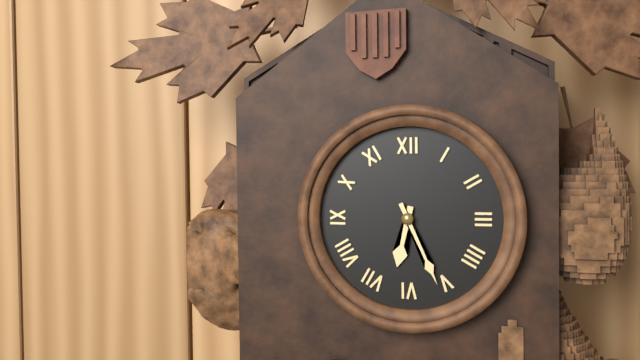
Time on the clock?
6:26
